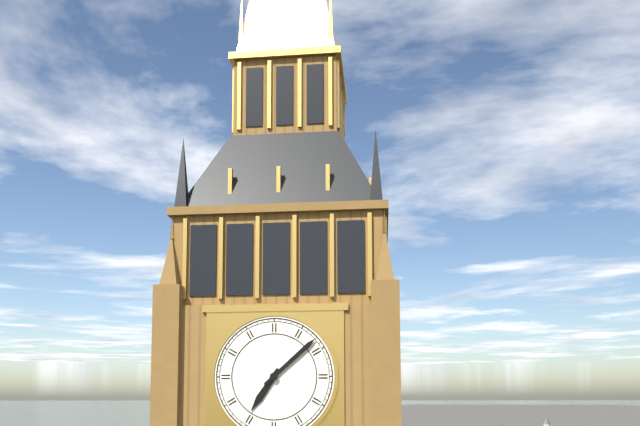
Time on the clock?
7:08
